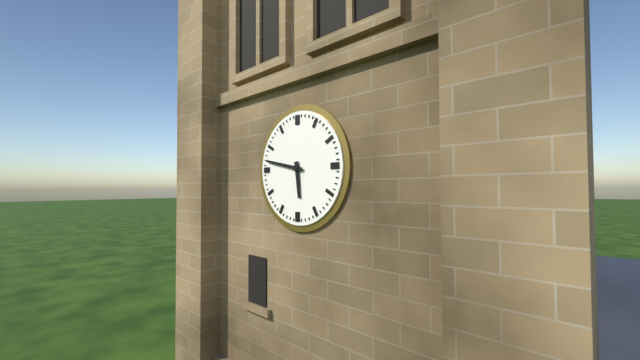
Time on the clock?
5:47
